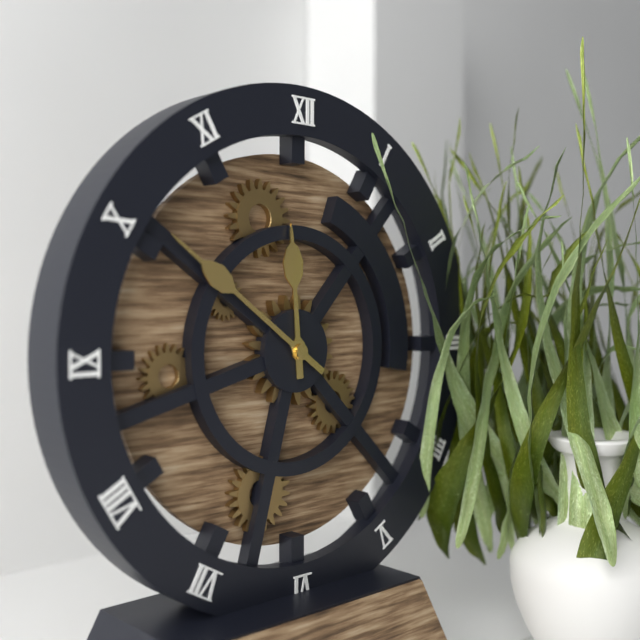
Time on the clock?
11:51
